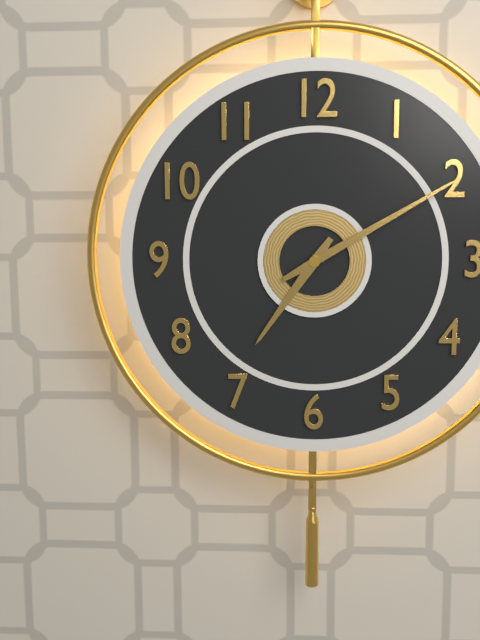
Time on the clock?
7:10
